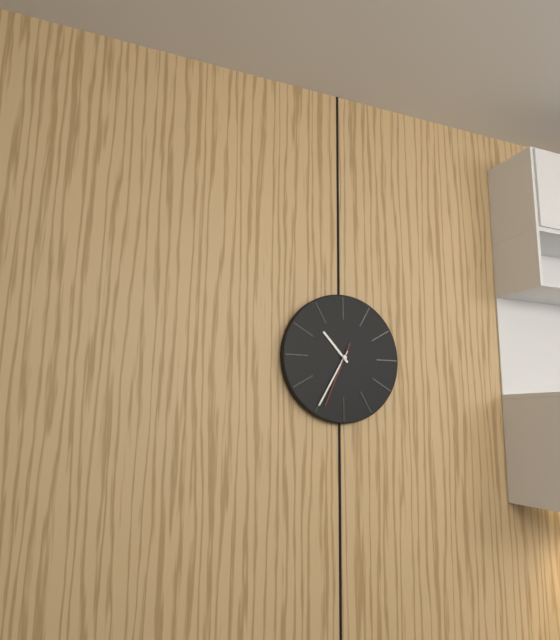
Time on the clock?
10:35:34
